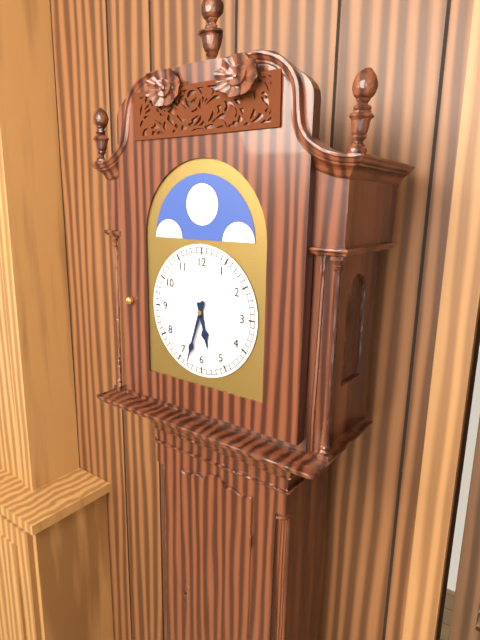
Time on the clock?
5:33
